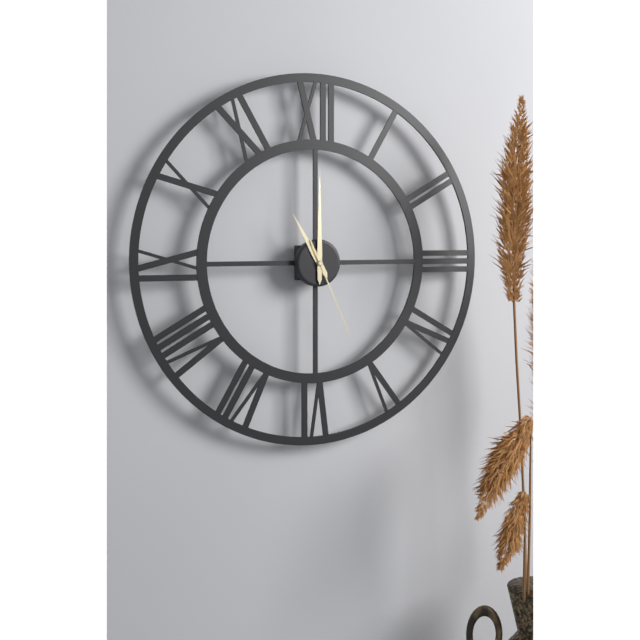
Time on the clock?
11:00:26
